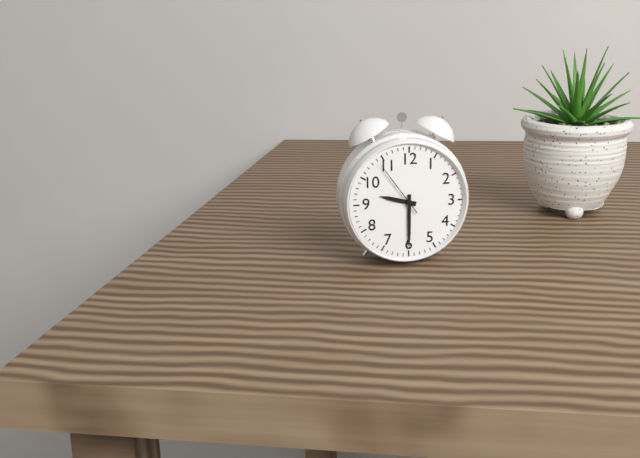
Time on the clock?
9:30:54
